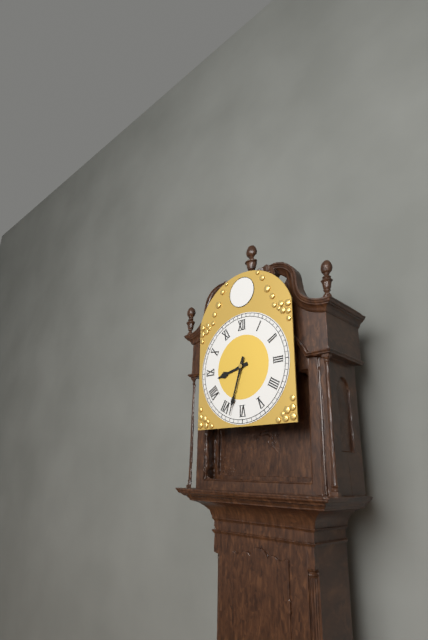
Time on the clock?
8:33
